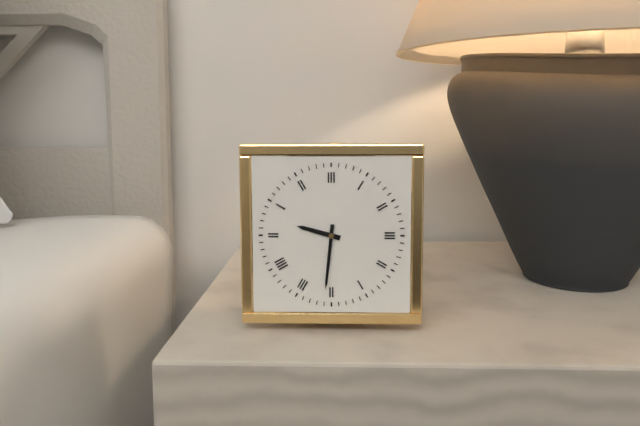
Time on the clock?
9:31
